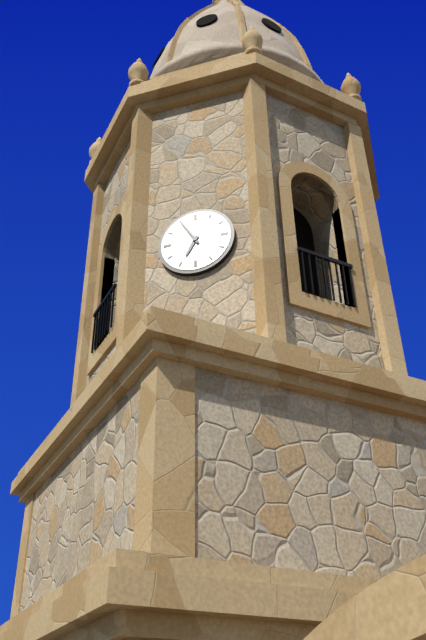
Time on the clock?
6:55
